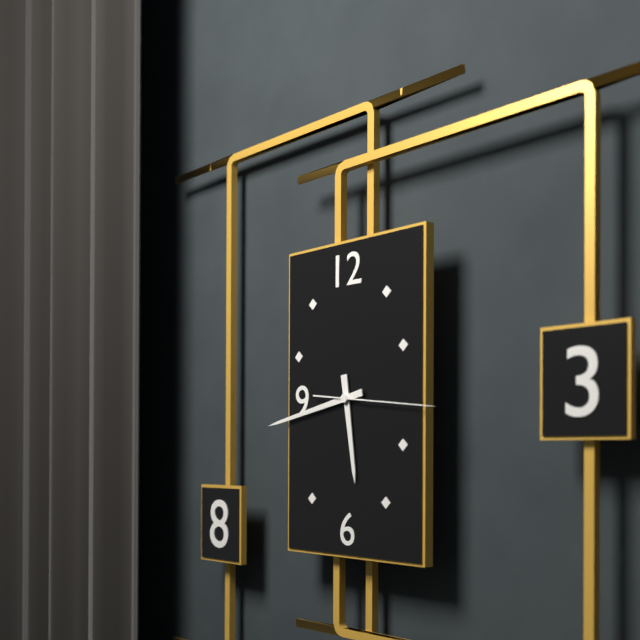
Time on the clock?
5:43:16
